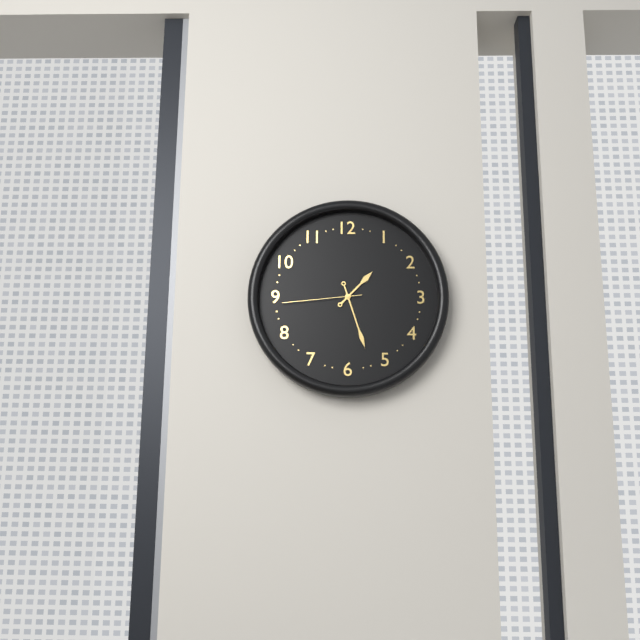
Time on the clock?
1:27:44
